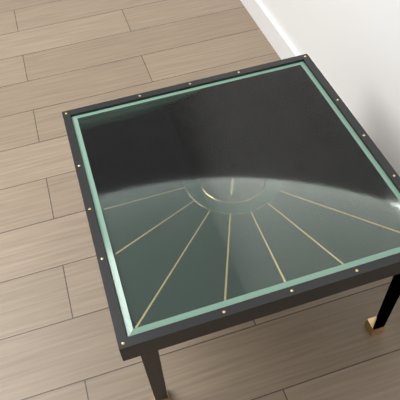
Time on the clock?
9:19
